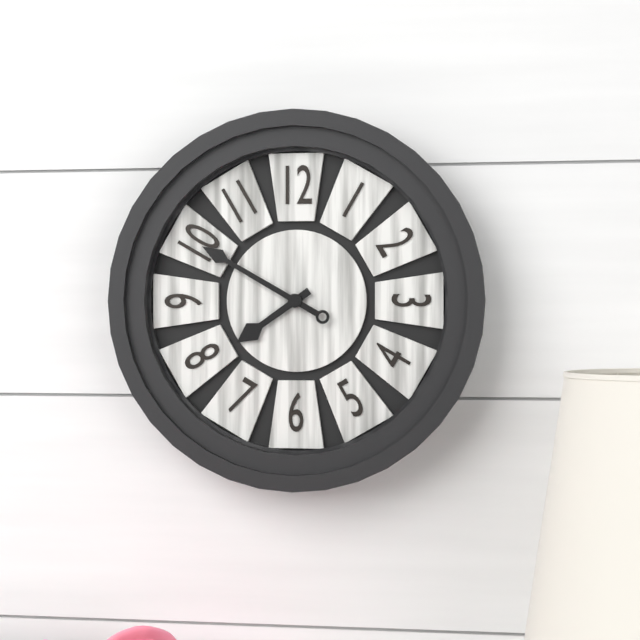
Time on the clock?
7:50
